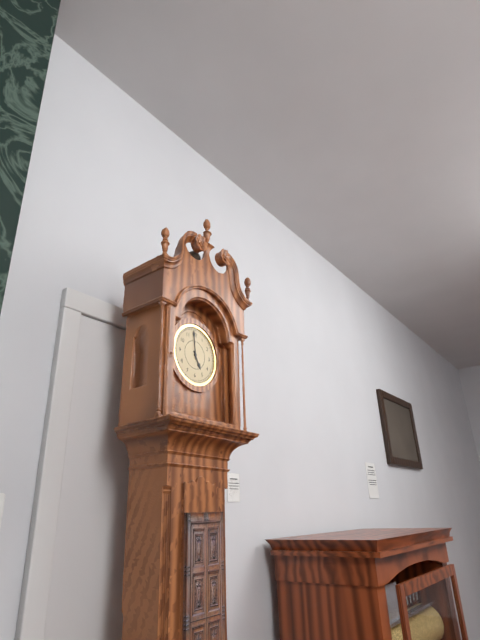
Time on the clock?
4:59
